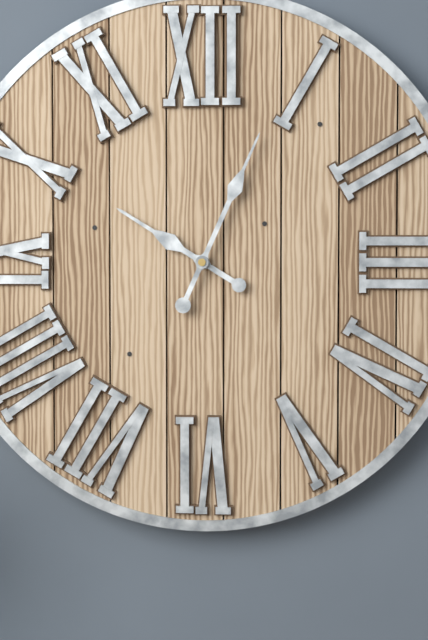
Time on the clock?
10:04
